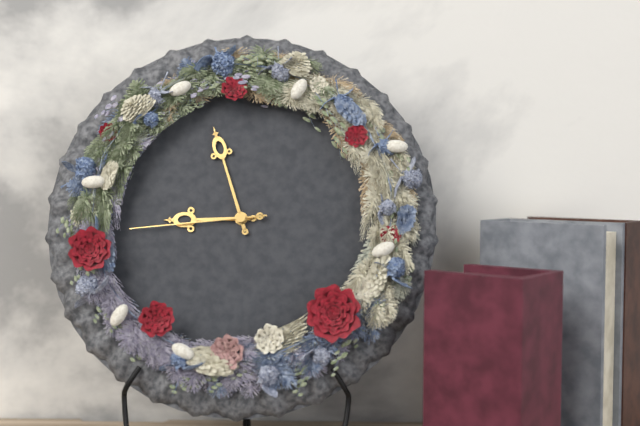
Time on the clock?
8:57:44
